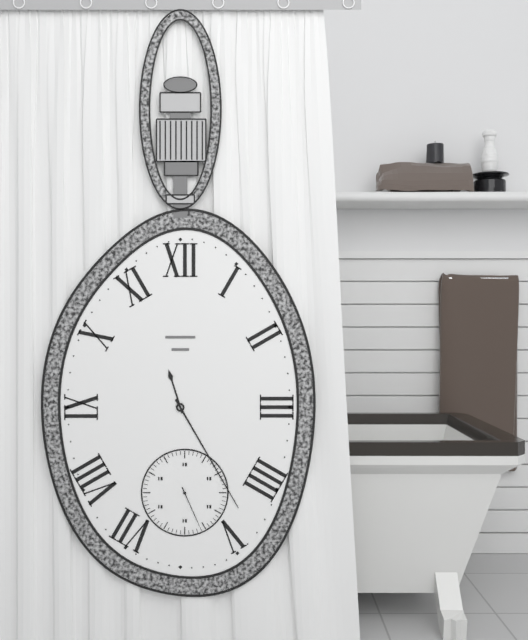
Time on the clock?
11:25
